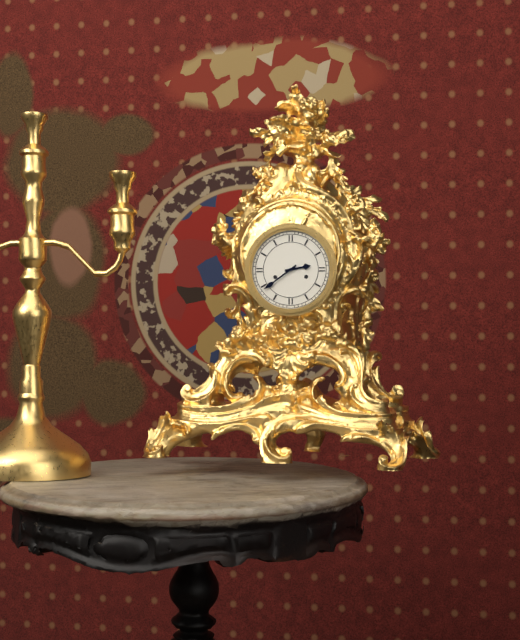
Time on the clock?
2:39
